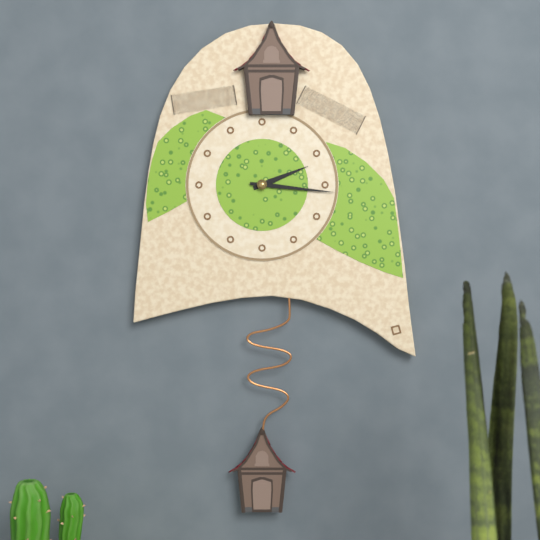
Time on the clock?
2:16
